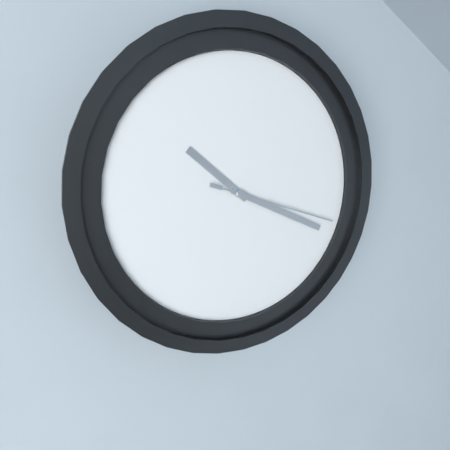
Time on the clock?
10:19:18
